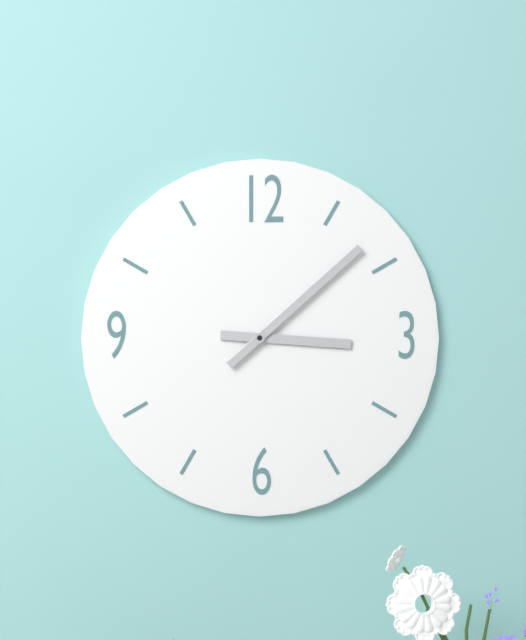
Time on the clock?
3:08
